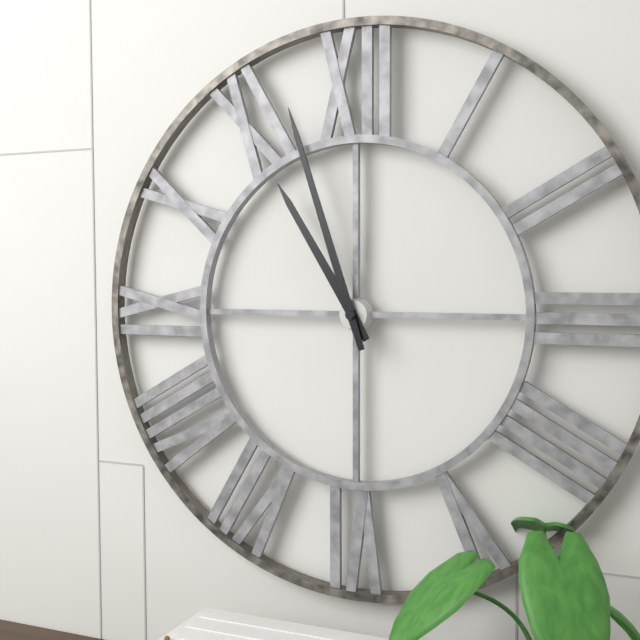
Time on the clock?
10:57
